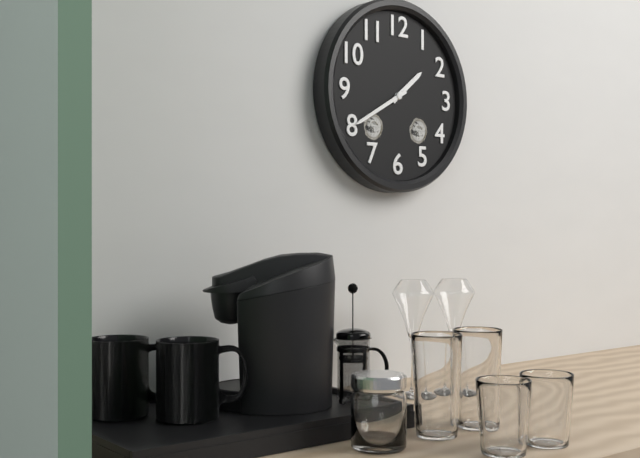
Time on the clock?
1:40
